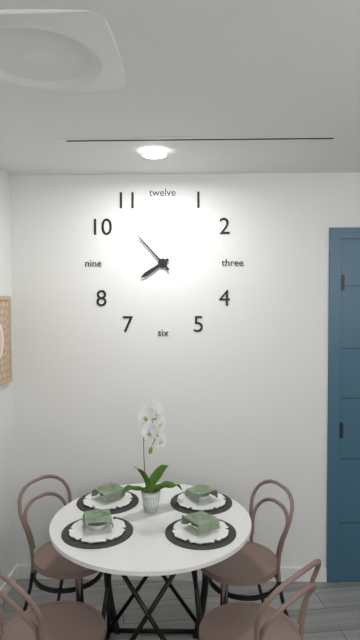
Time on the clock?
7:53
